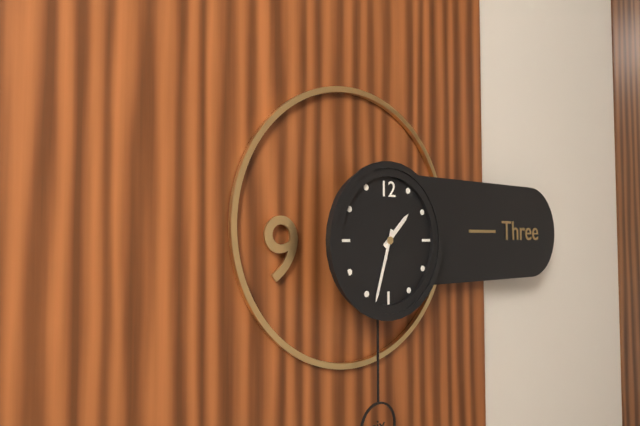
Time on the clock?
1:33
